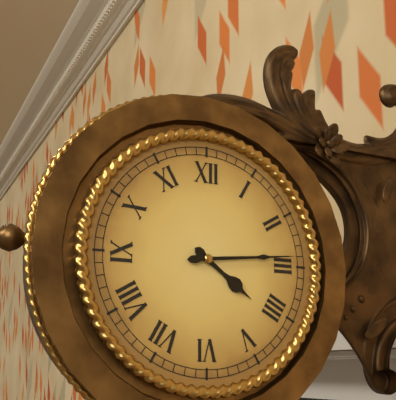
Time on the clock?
4:14
